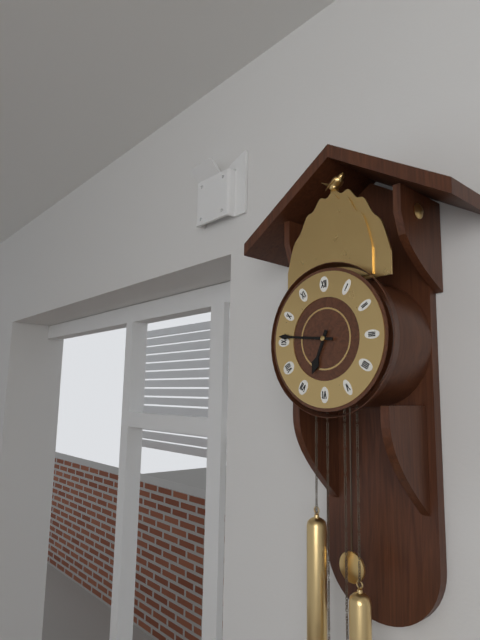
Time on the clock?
6:46
